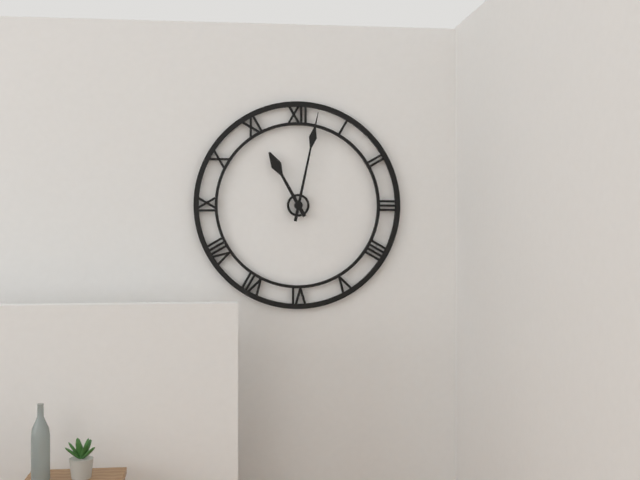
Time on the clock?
11:02
